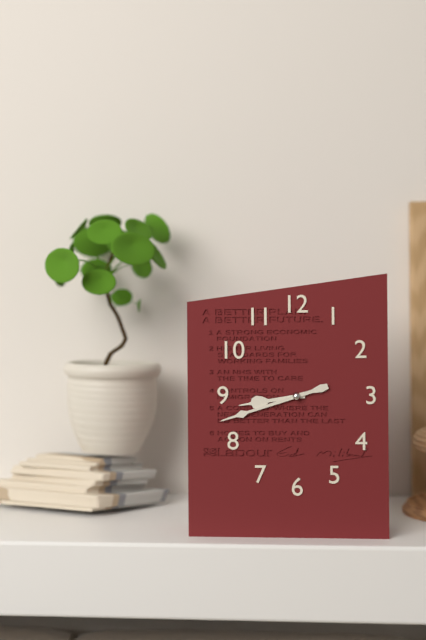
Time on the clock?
8:42
